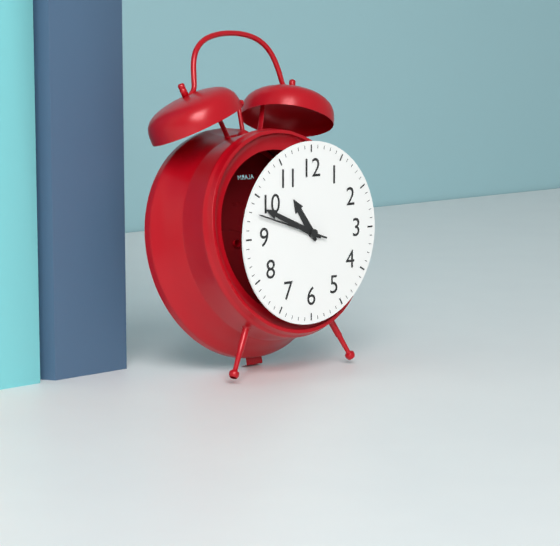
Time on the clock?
10:49:48
